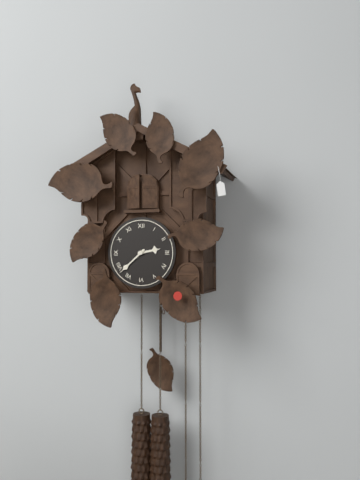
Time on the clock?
2:38
